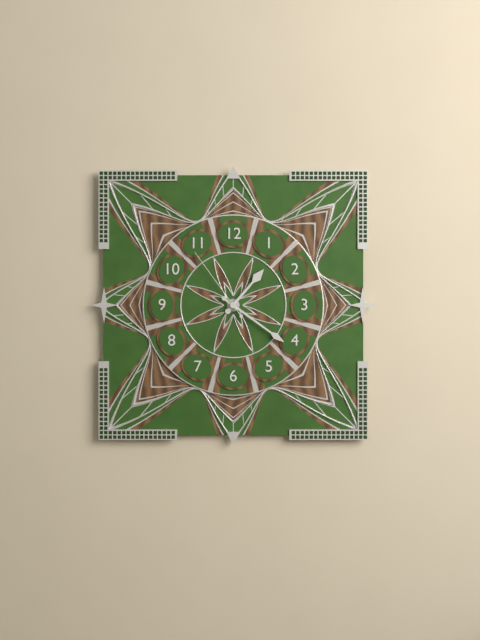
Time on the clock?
1:21:54
